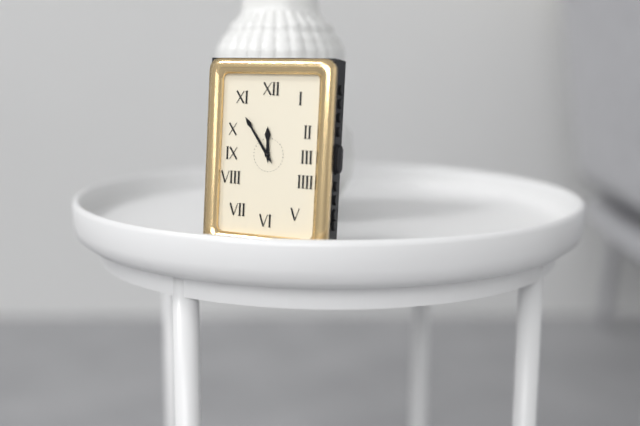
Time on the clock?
11:54
